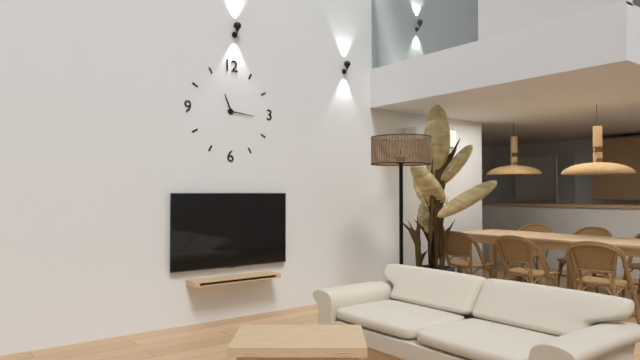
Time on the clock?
11:16
